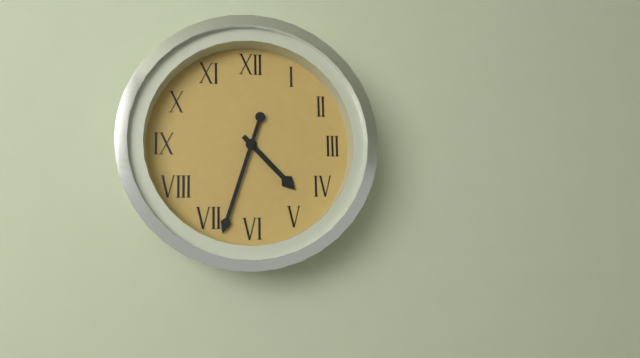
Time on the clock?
4:33
